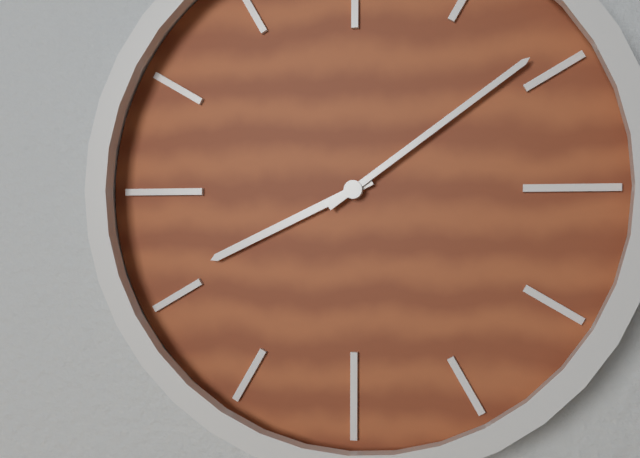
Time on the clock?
8:09
